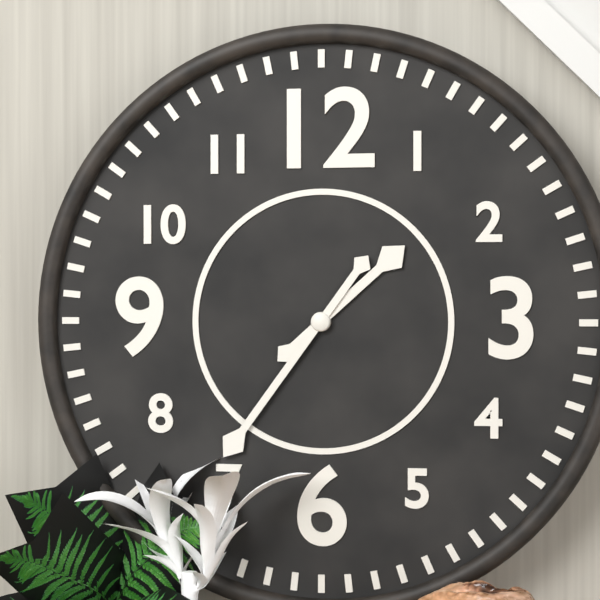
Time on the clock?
1:36
